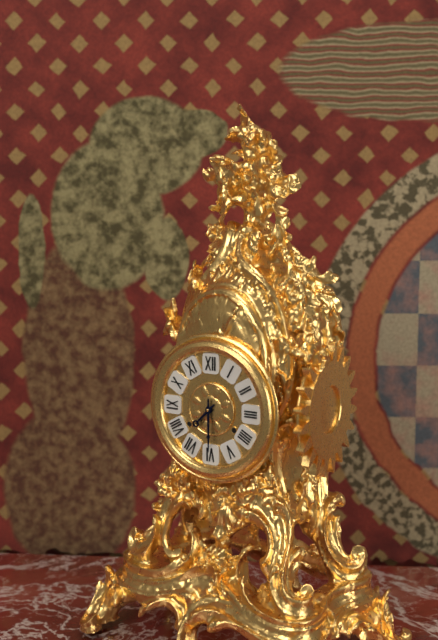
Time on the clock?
7:30
